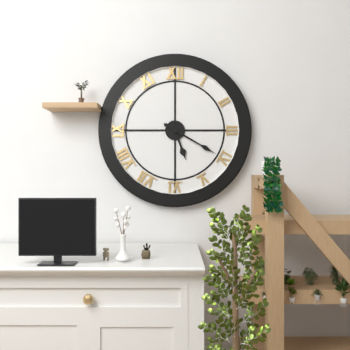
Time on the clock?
5:20
